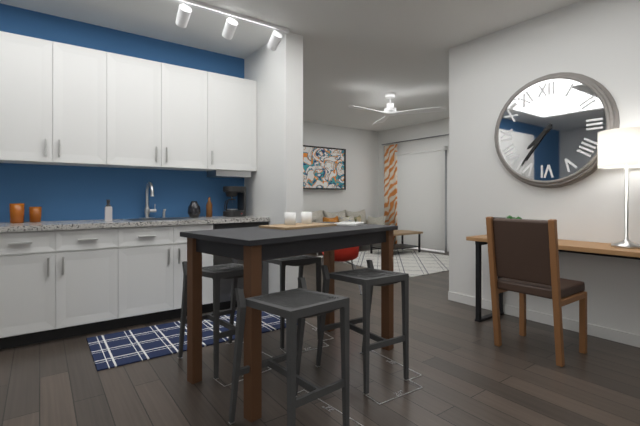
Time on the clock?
7:36
